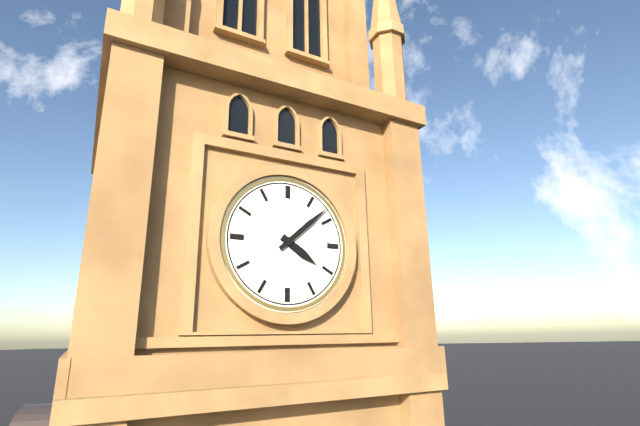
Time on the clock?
4:08
